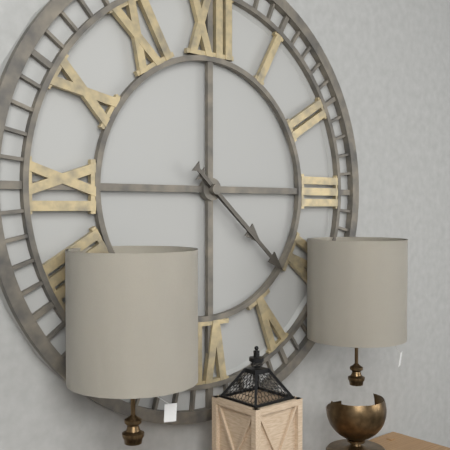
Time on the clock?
4:22
